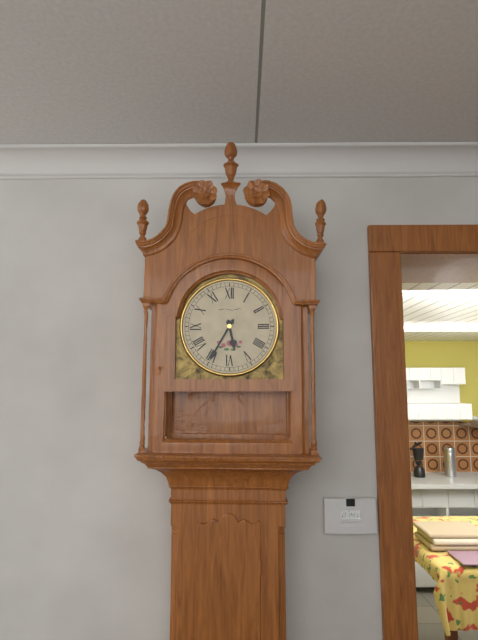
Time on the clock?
5:35
